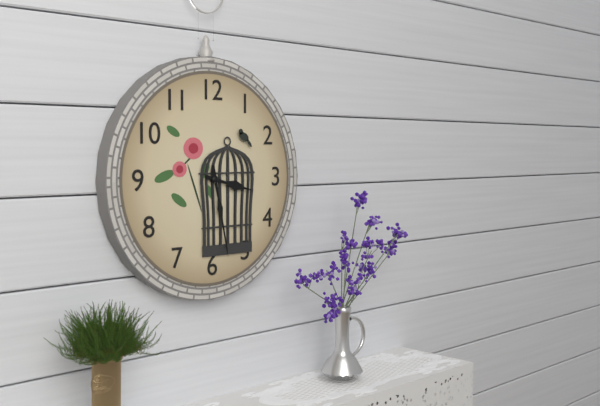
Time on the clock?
3:28
